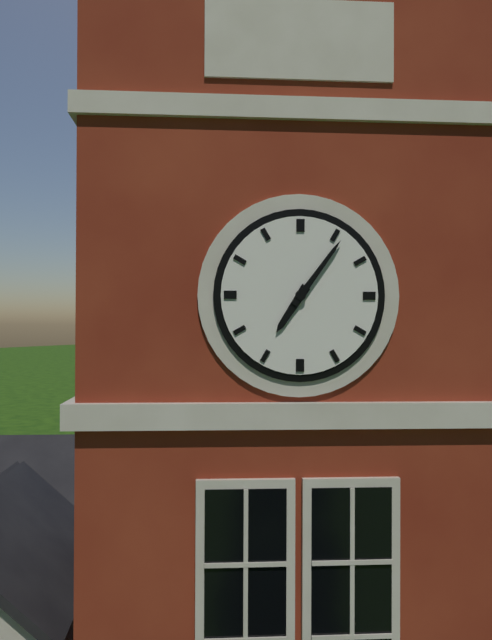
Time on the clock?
7:06
